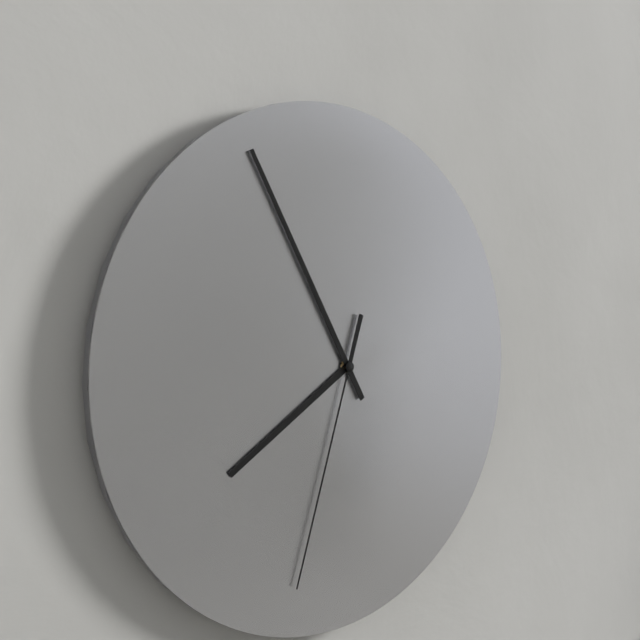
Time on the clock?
7:55:33
